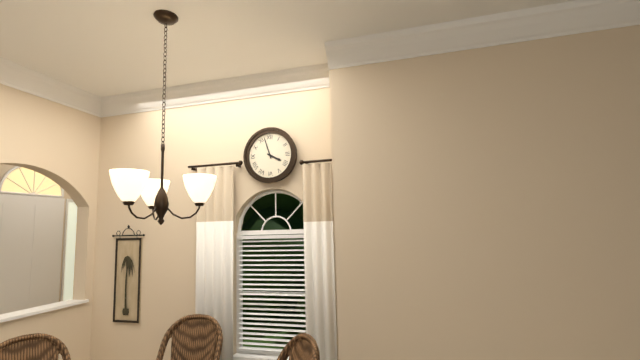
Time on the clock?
3:57
